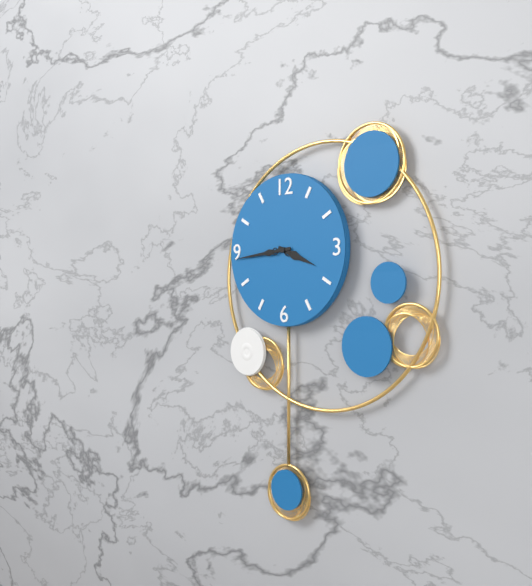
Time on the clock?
3:44
